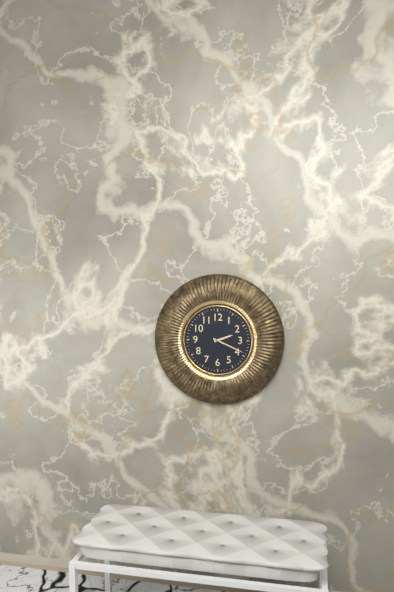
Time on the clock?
2:19
